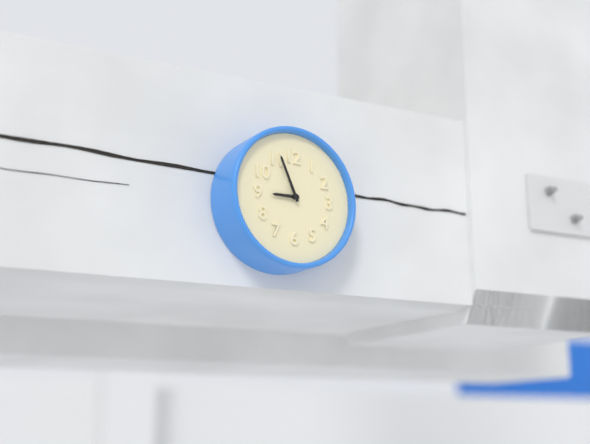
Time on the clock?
8:56
